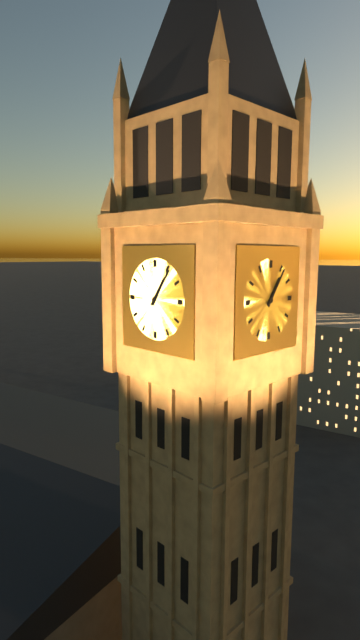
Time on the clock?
1:06
